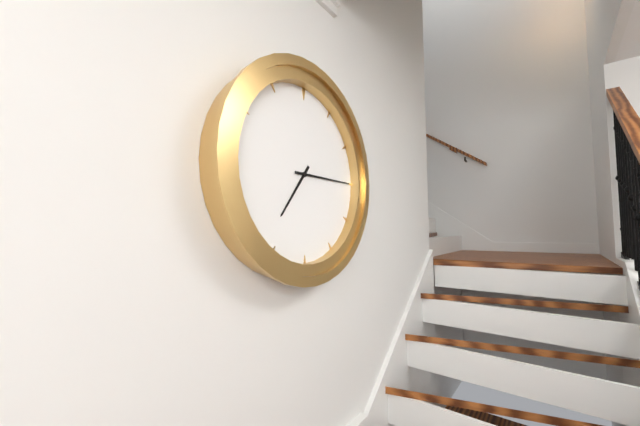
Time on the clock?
7:15
